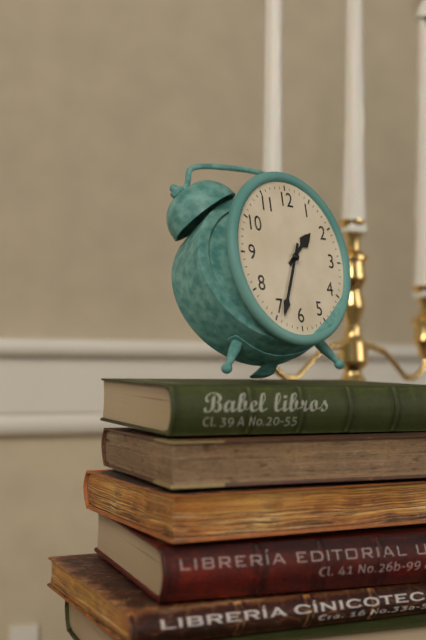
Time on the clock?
1:34
